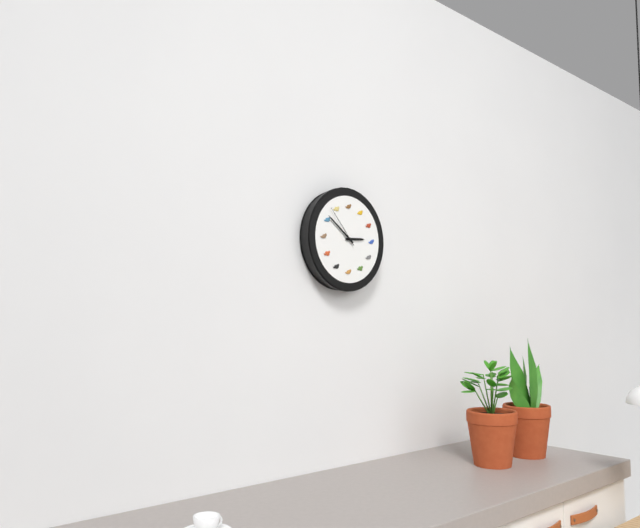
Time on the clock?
2:51
